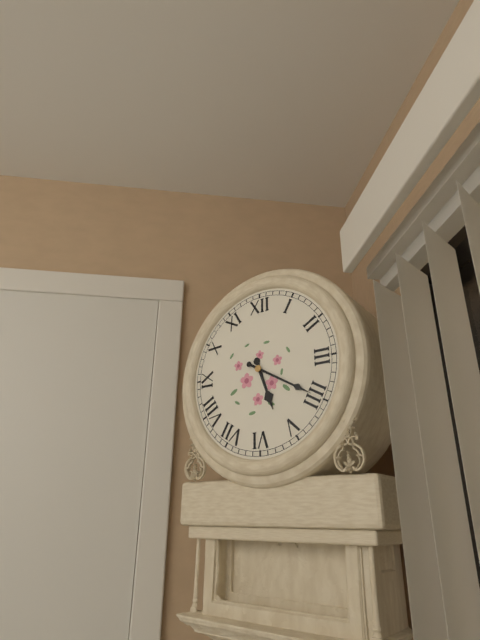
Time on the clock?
5:20
